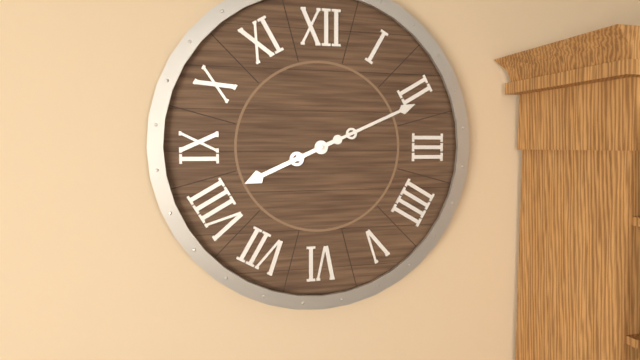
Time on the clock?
8:11
